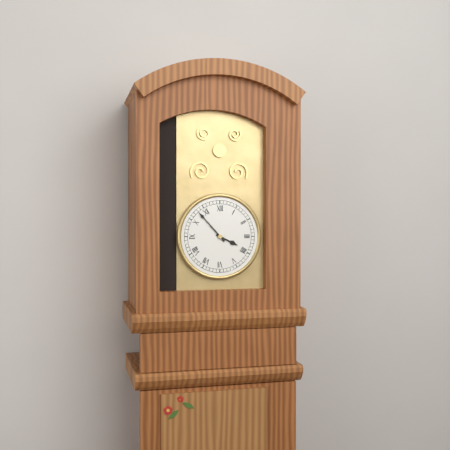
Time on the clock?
3:53
